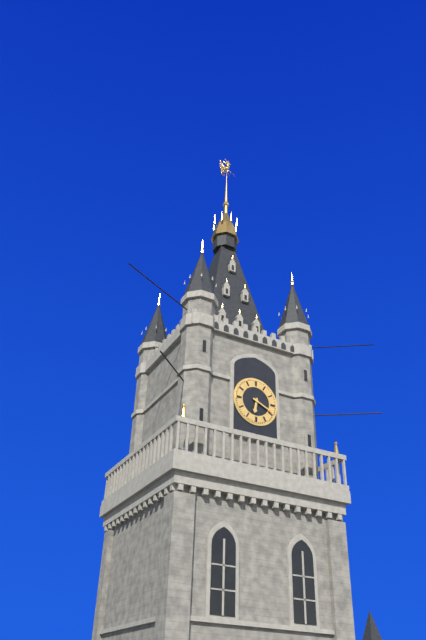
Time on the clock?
6:19
